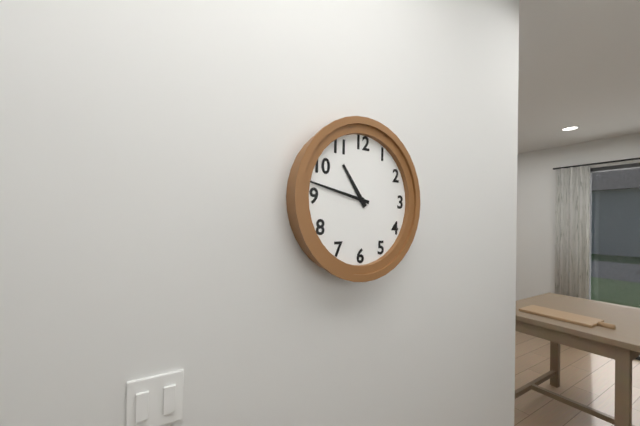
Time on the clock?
10:47
